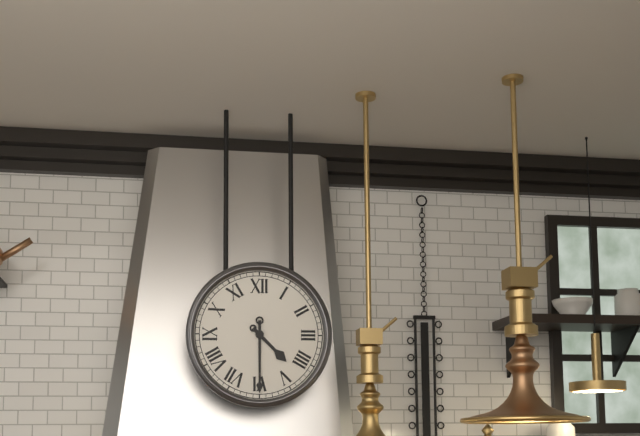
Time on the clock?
4:30
